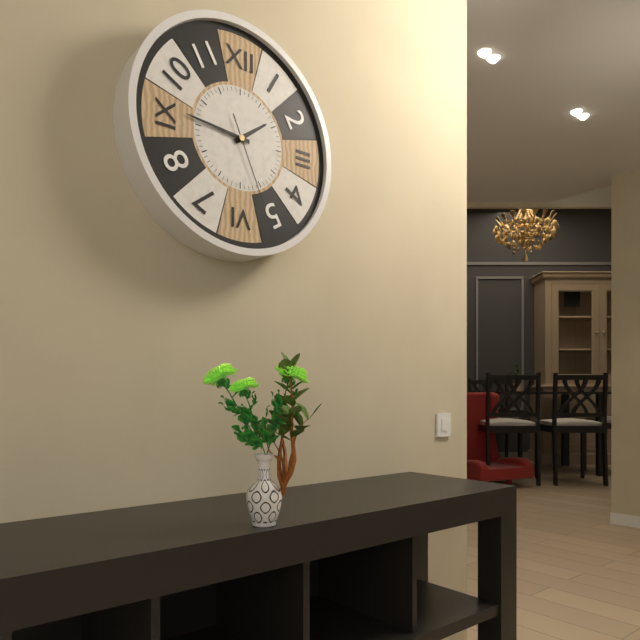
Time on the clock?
1:46:26
